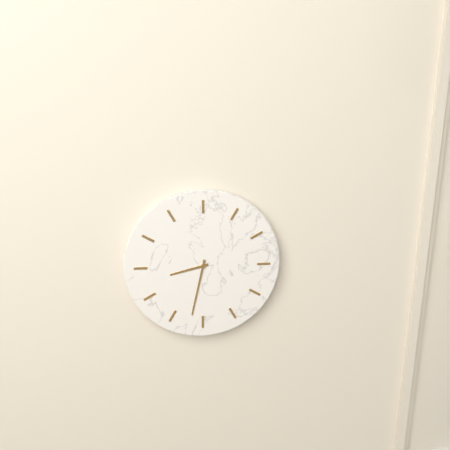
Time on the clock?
8:32
